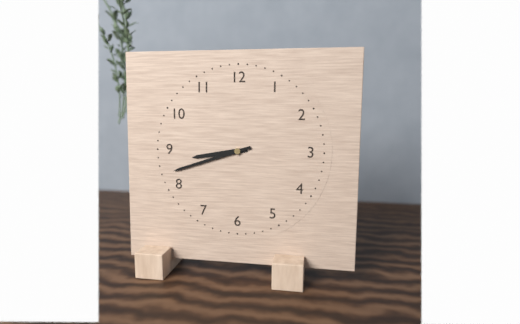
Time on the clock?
8:42
